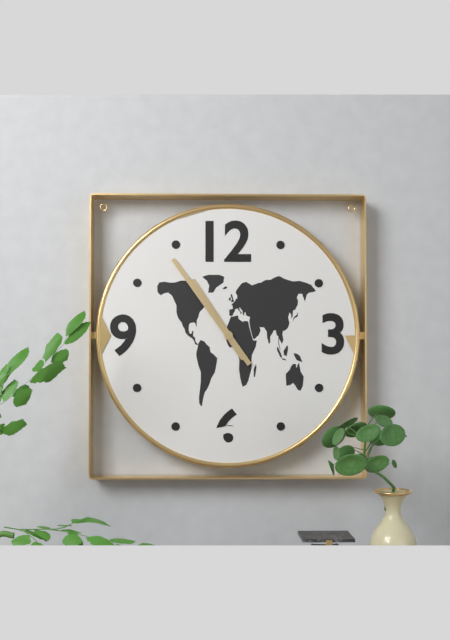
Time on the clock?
10:54
